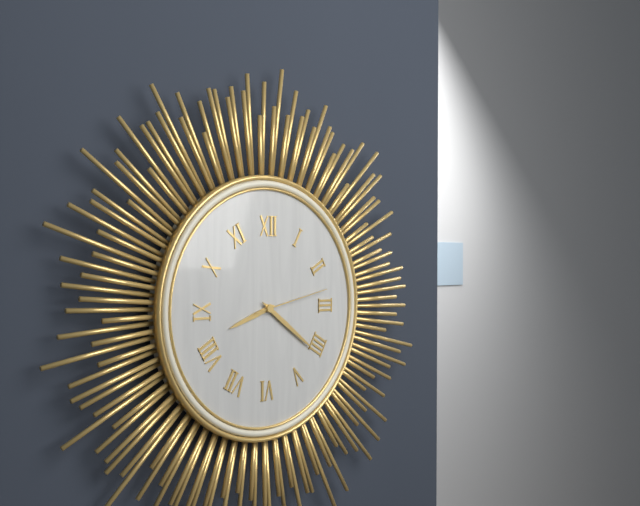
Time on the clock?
8:21:13
